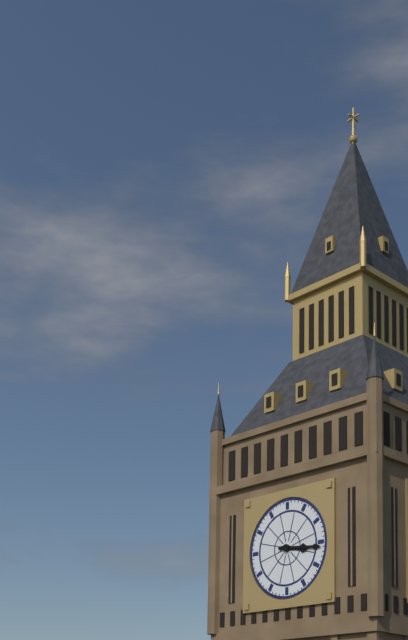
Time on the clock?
3:16
